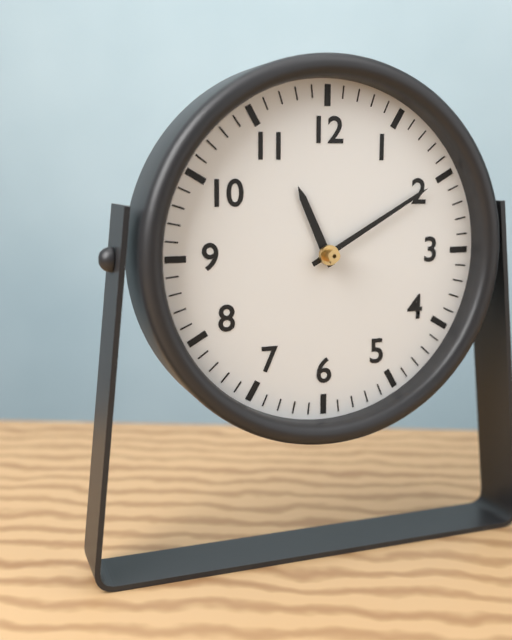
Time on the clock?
11:10
